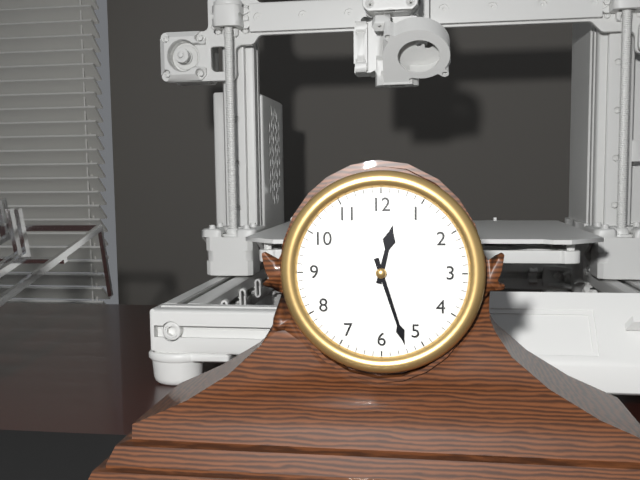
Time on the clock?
12:27
